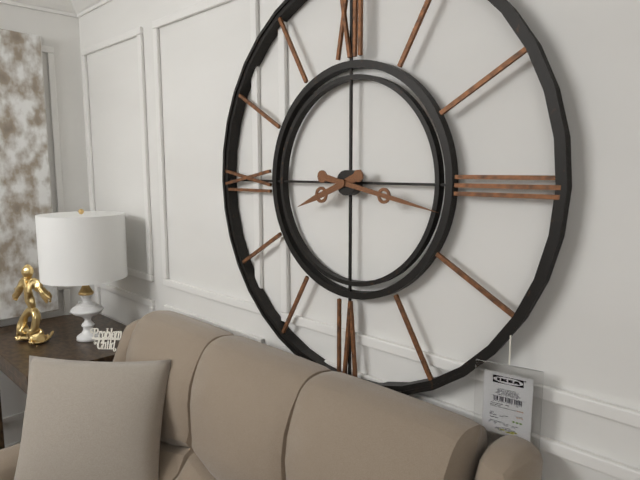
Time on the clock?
8:17
